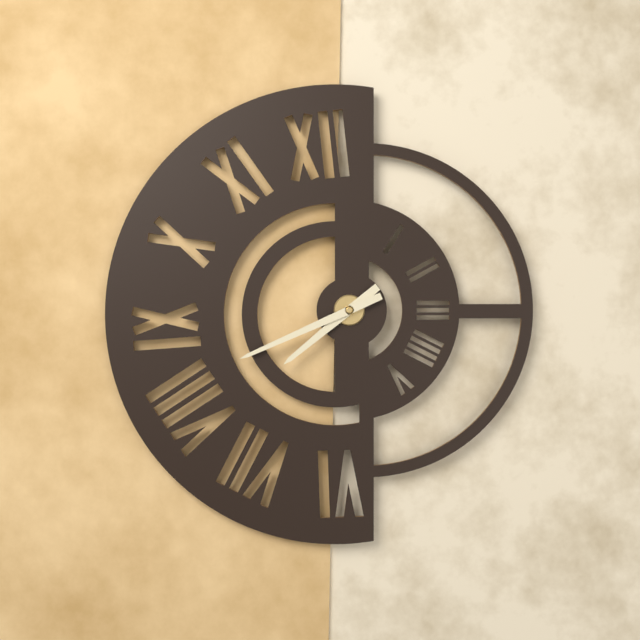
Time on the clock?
7:41
